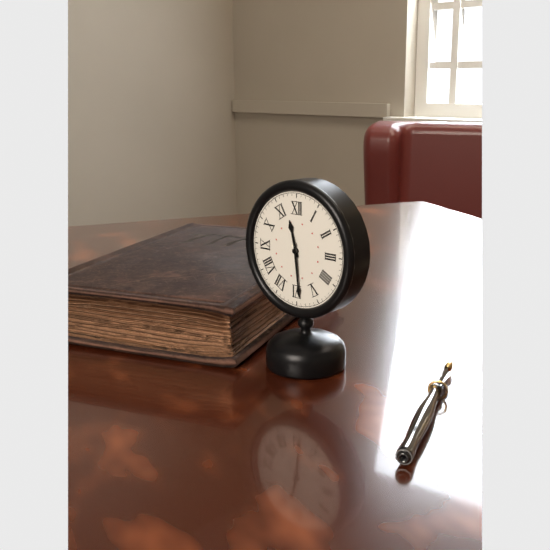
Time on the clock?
11:29
